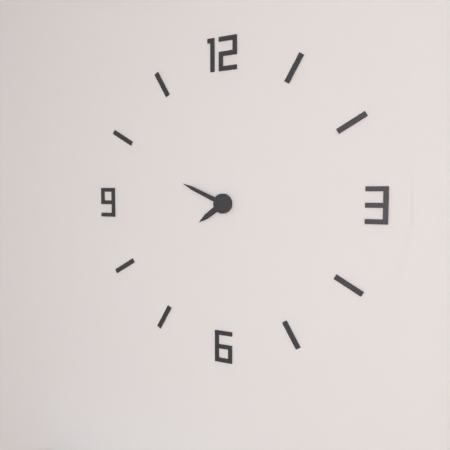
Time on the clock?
7:49
